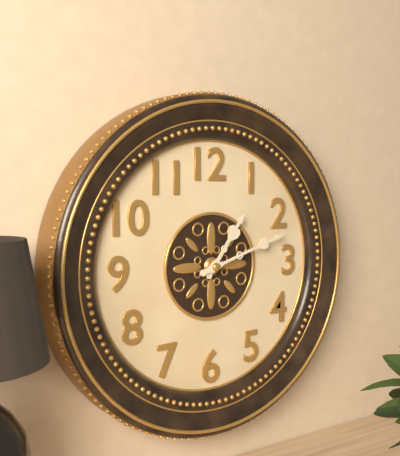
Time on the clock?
1:12
